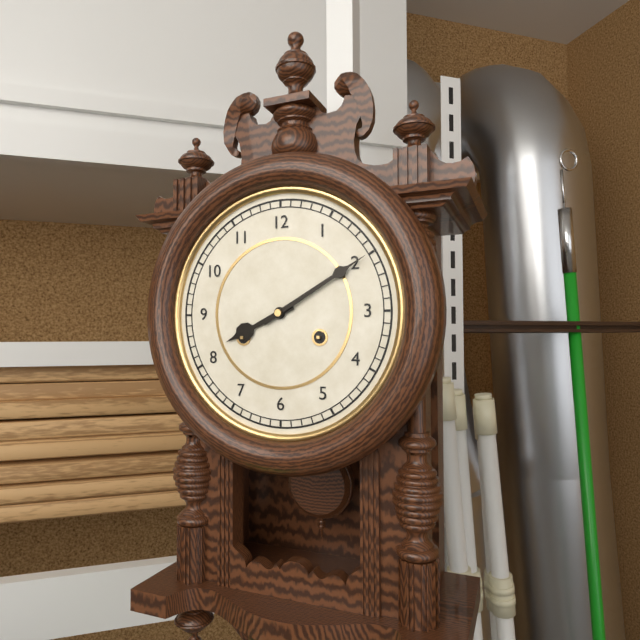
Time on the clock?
8:10
